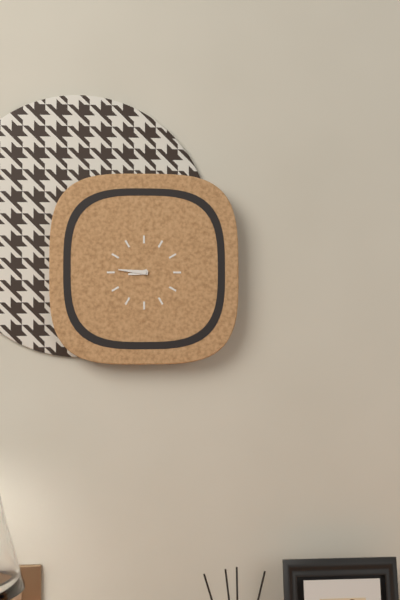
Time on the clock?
8:46
